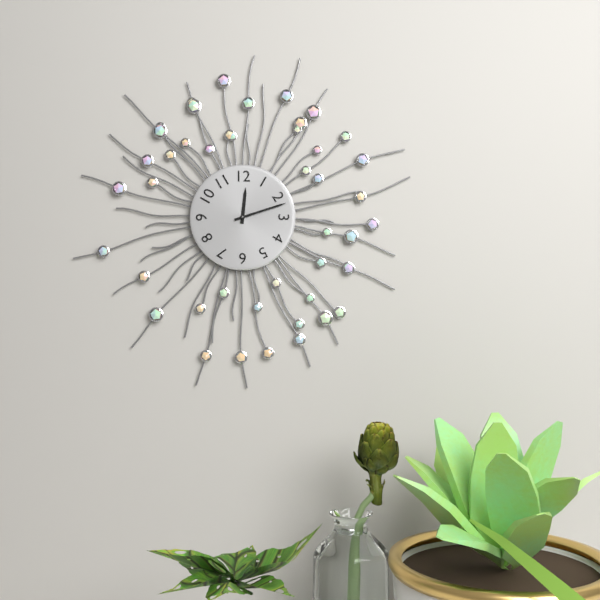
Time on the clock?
12:12
